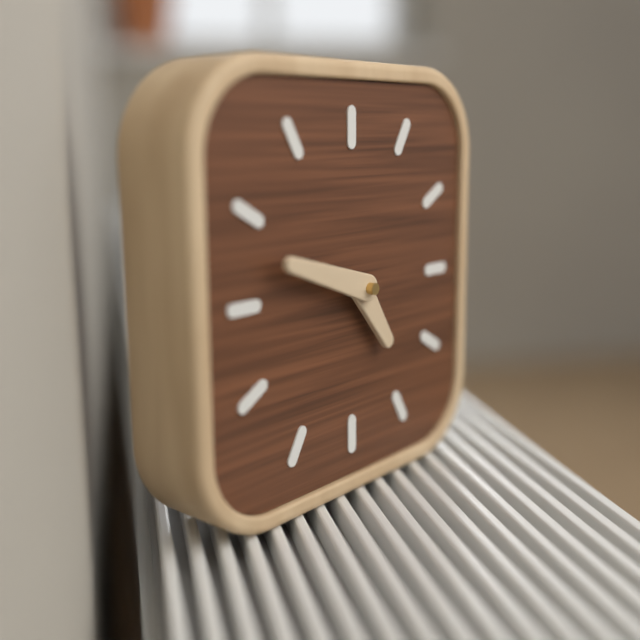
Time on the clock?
4:48
